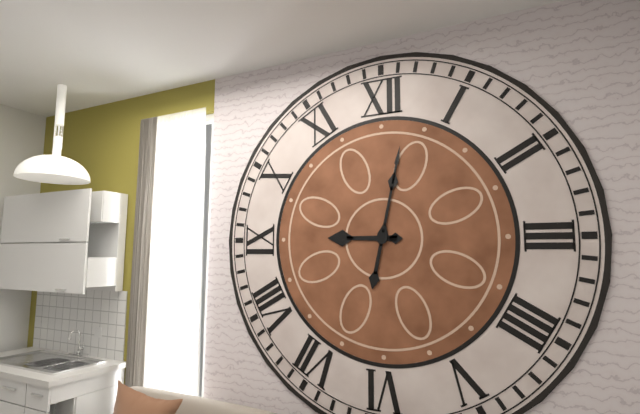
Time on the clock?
9:02
